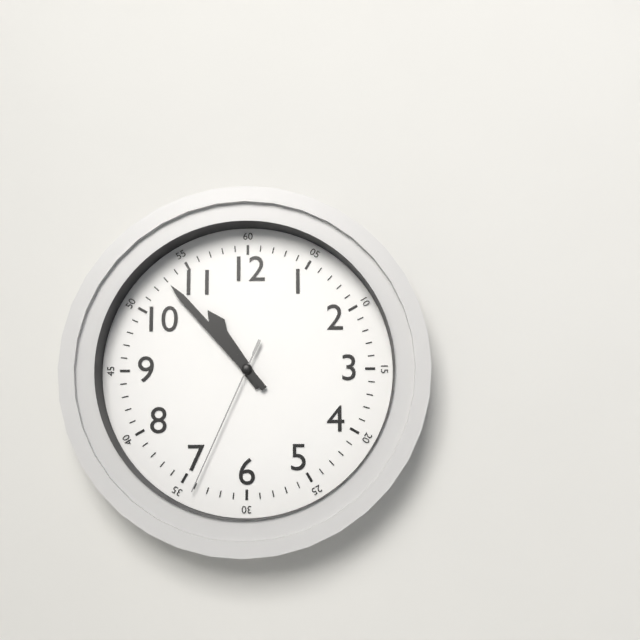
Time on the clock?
10:53:34
